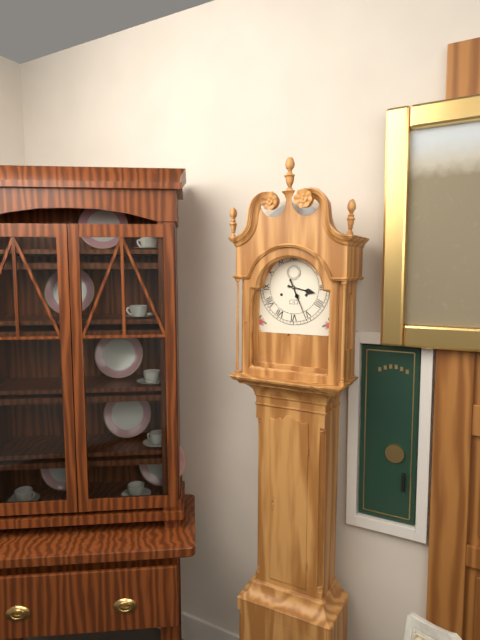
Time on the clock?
3:26
